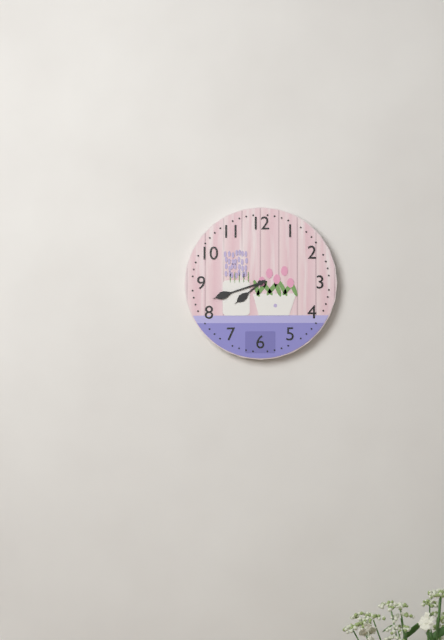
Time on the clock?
7:42
